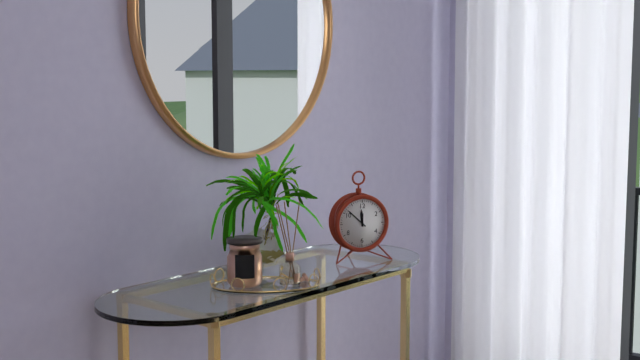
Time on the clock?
11:52
